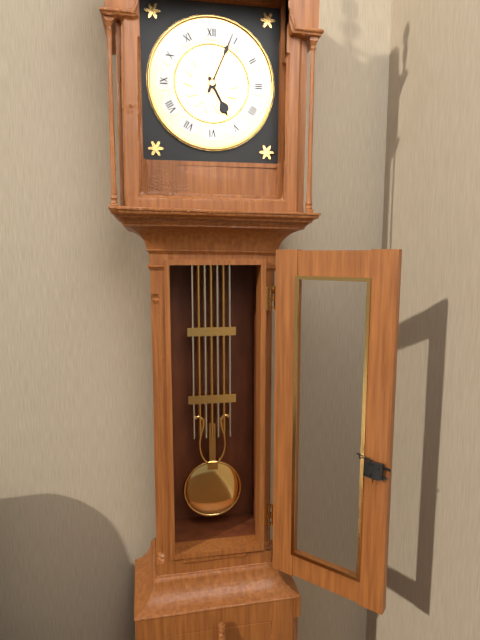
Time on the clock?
5:04
